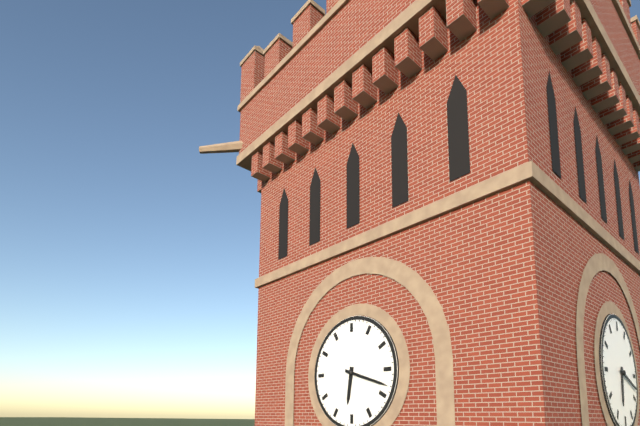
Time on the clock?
6:18
